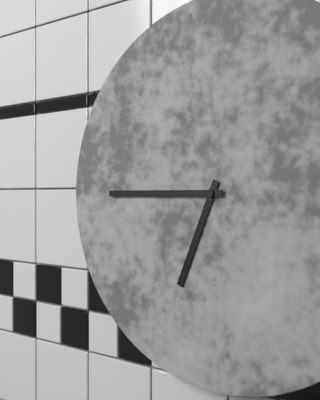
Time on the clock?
6:45
